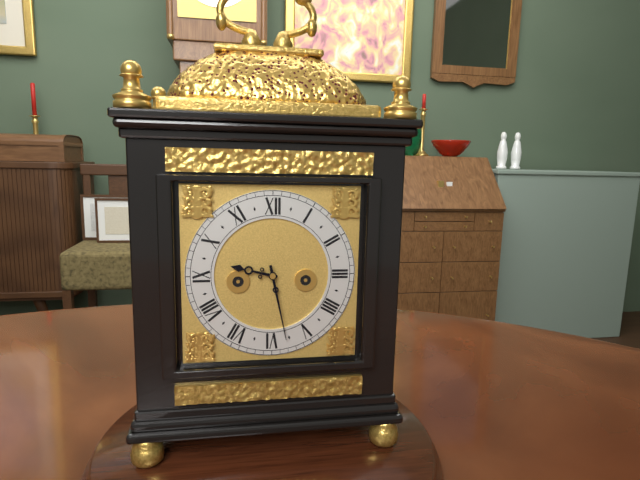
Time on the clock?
9:28
